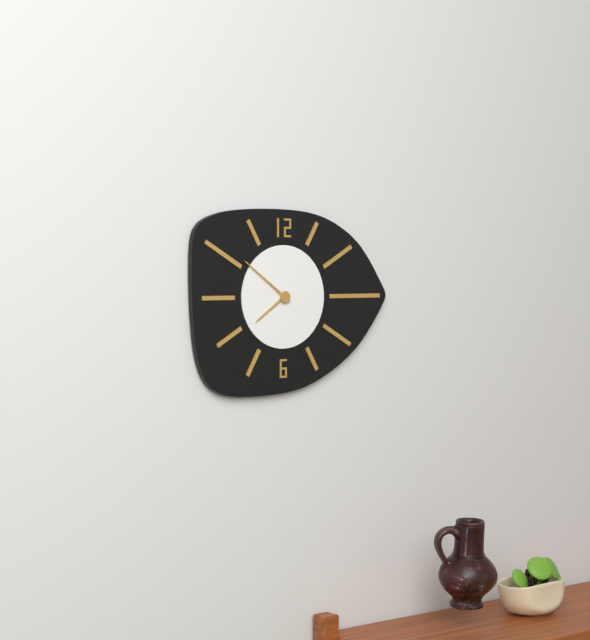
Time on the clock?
7:51
